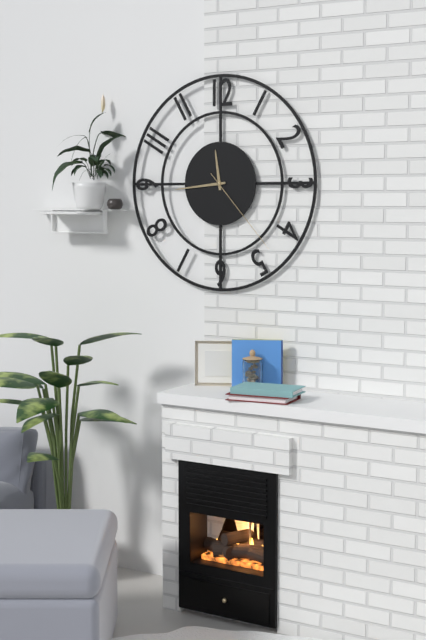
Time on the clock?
11:44:23
